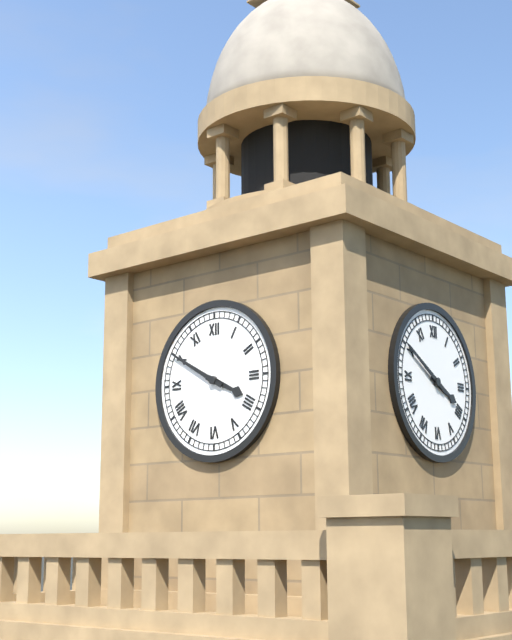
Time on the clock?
3:50
